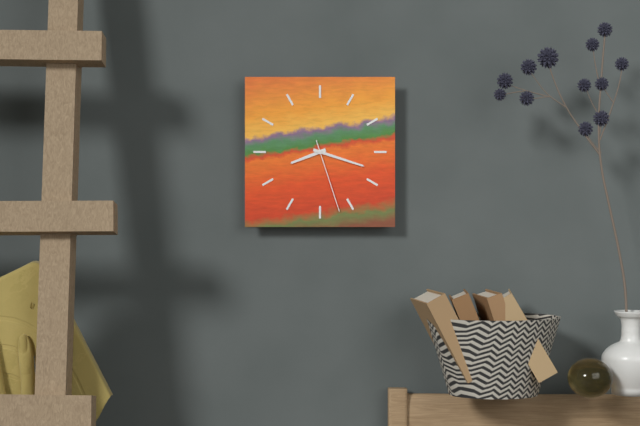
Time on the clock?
8:18:27
